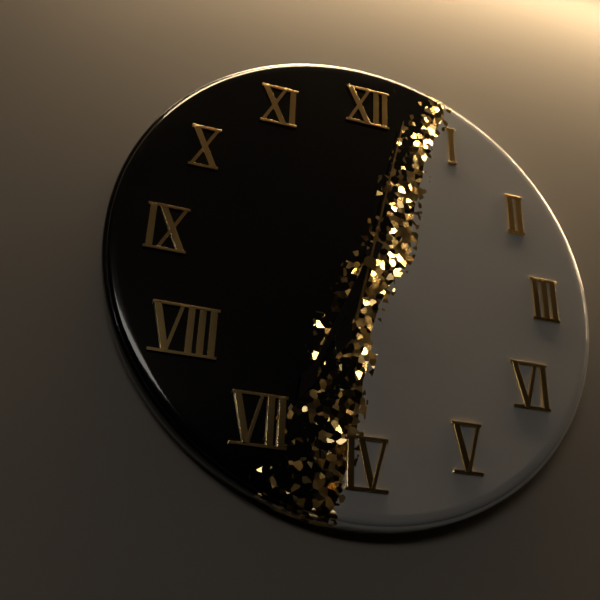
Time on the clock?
6:34:02
